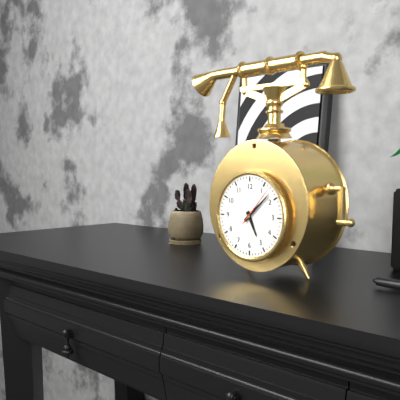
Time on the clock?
5:08
